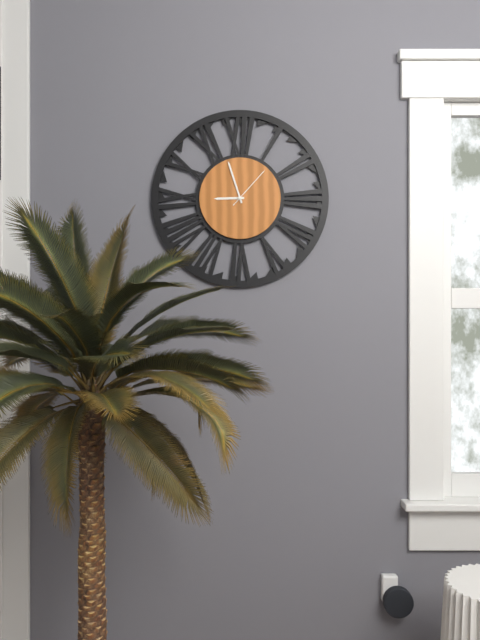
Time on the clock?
8:57
